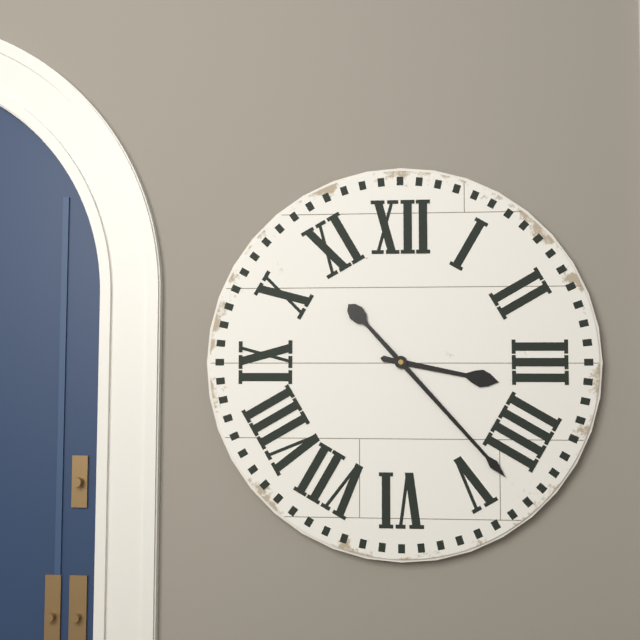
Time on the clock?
3:23
